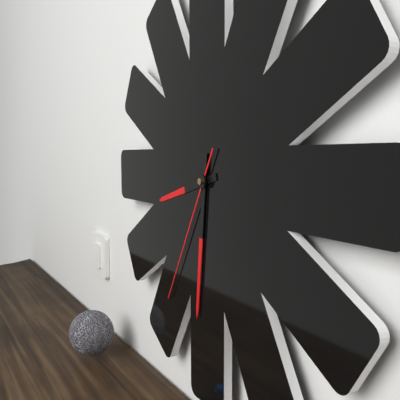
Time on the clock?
8:31:35
